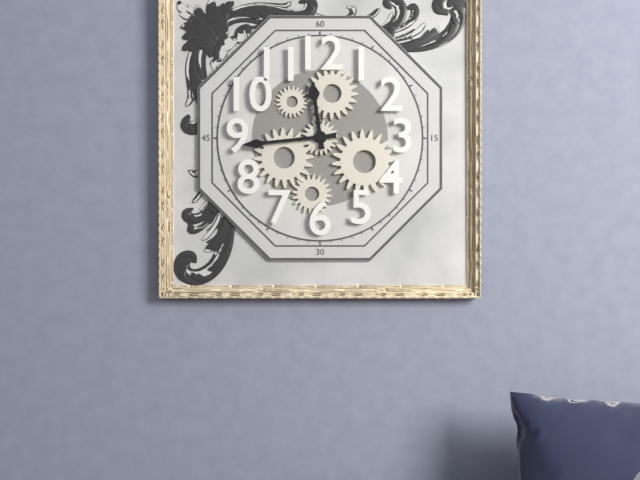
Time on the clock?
11:44
